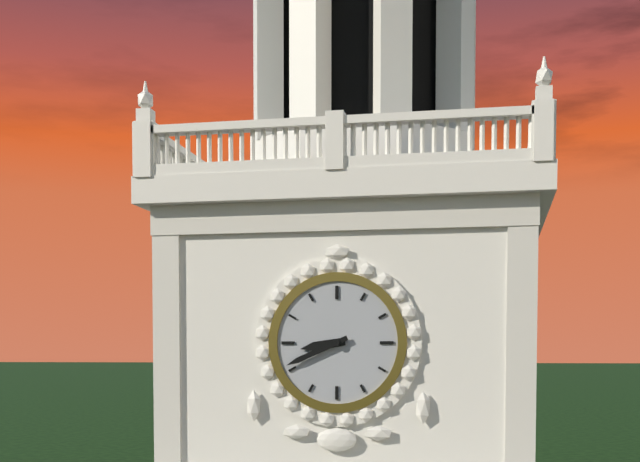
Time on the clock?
8:41
